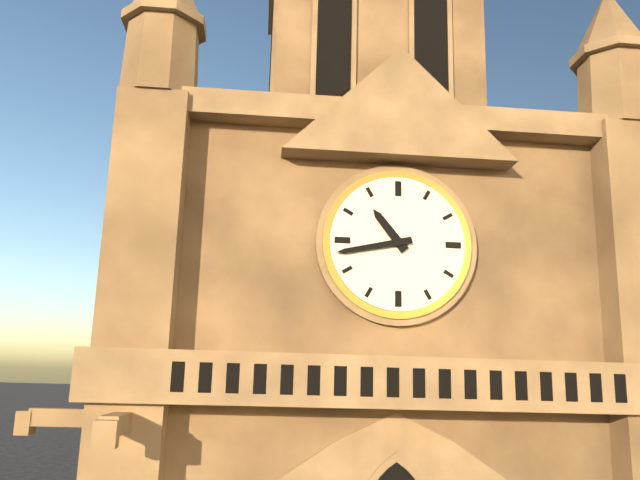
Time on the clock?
10:43
